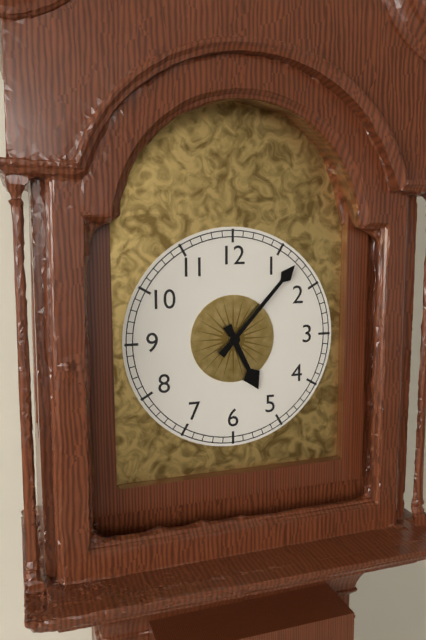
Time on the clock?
5:07
